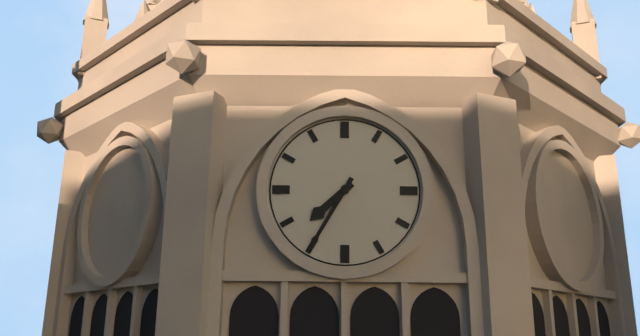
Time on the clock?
7:35
